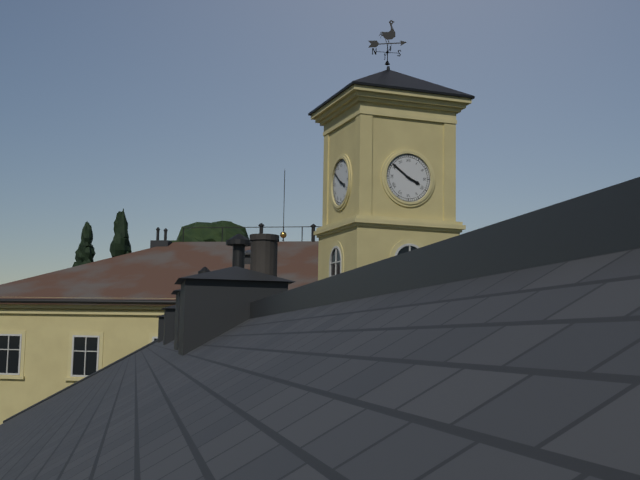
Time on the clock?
3:51
